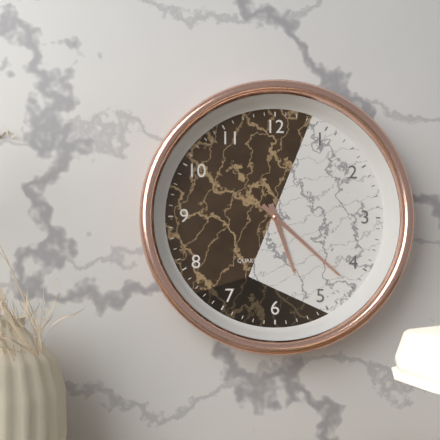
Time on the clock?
5:22
